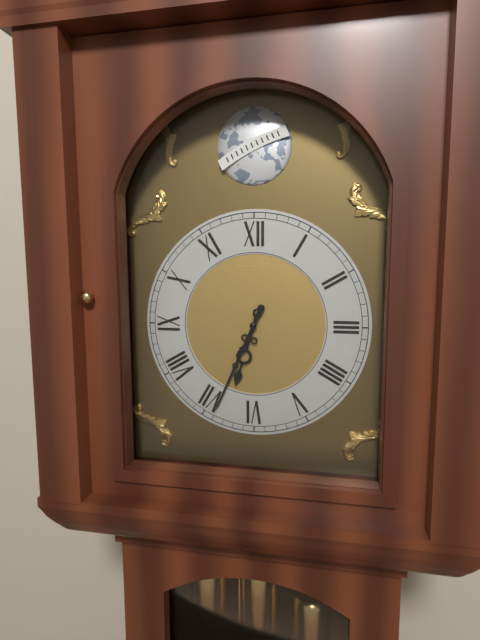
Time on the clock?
6:34
